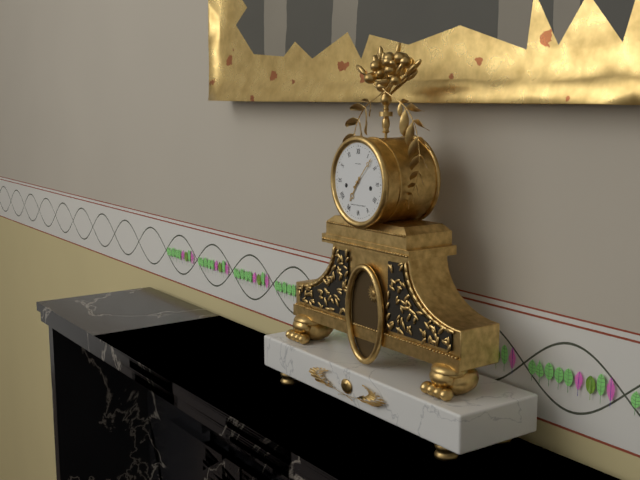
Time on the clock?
7:07
